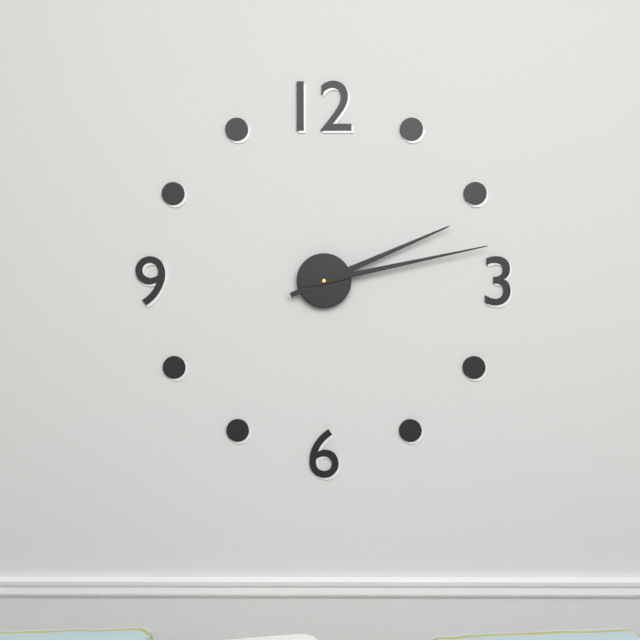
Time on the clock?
2:13
